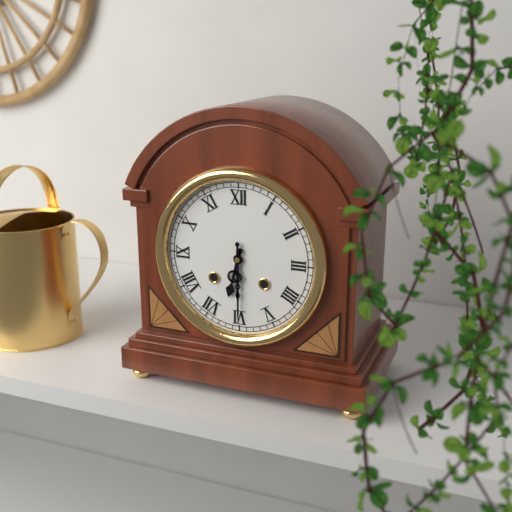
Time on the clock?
6:30
